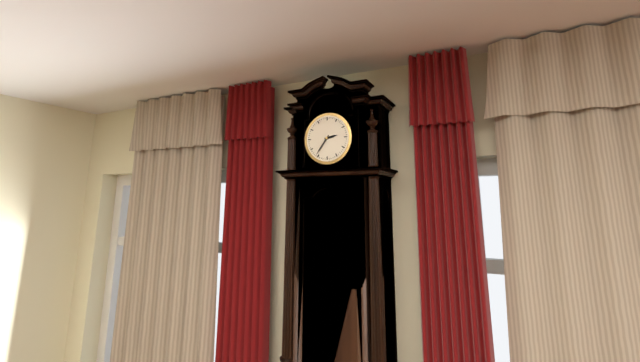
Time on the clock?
2:36
